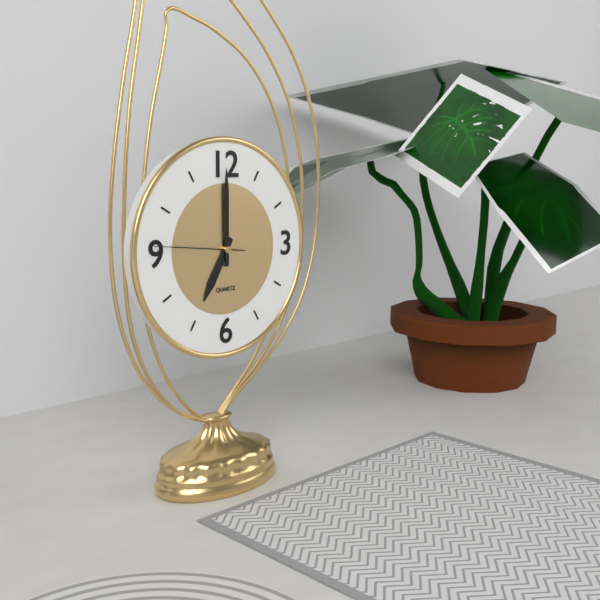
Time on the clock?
7:00:46
